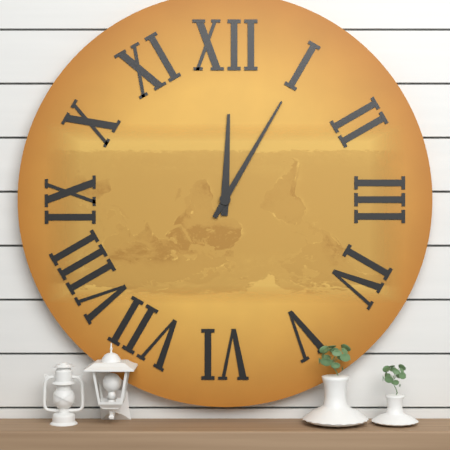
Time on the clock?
12:05
